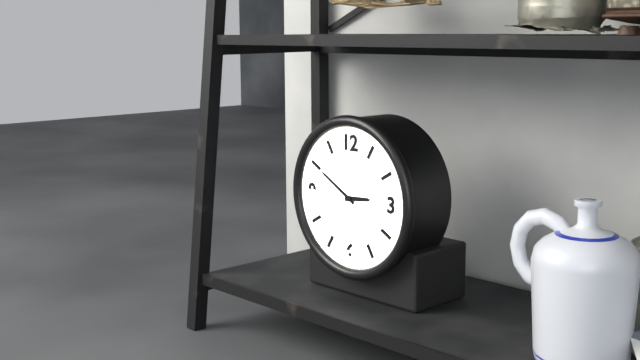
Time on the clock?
2:50
